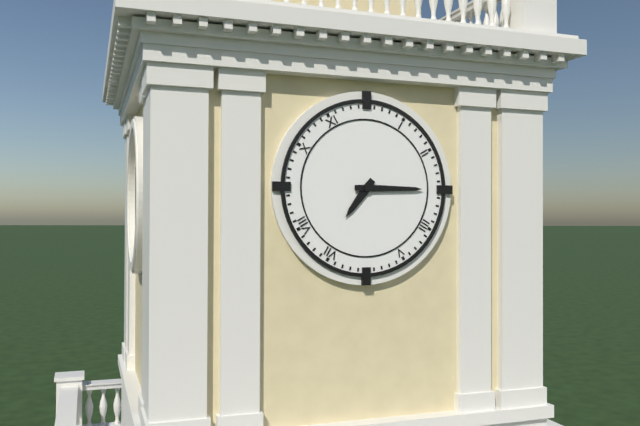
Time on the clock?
7:15
